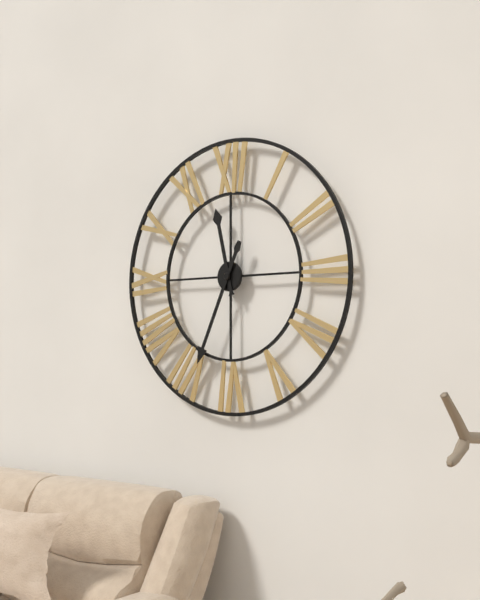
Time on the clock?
11:34
